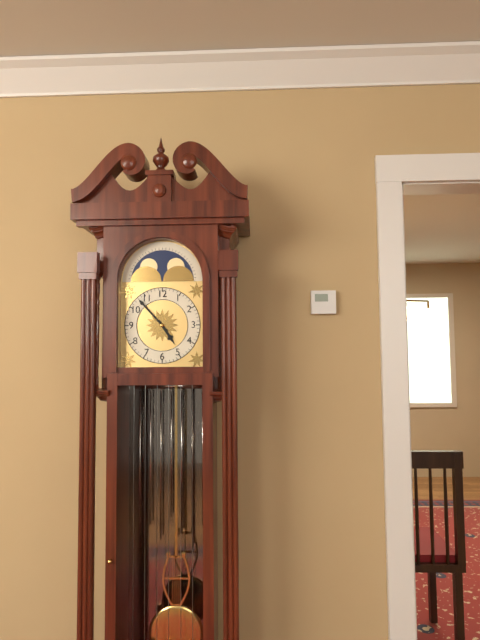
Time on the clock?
4:53
